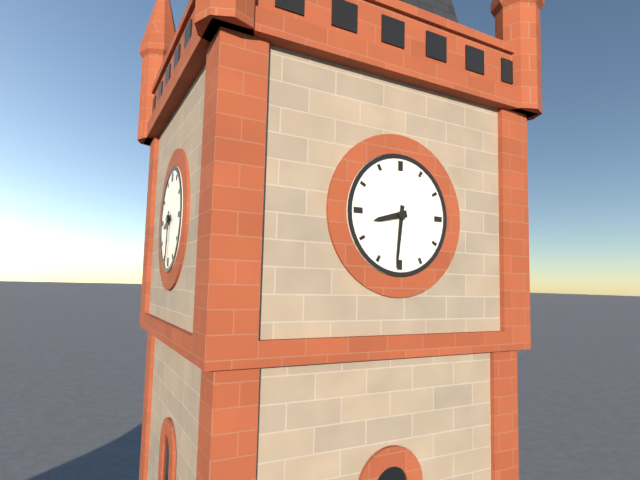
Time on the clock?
8:31
